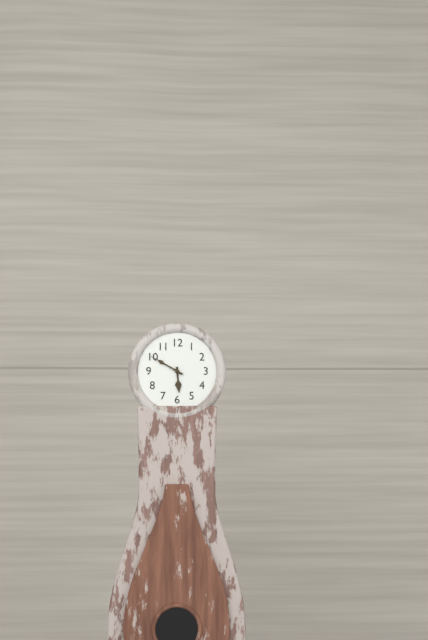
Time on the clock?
5:50
